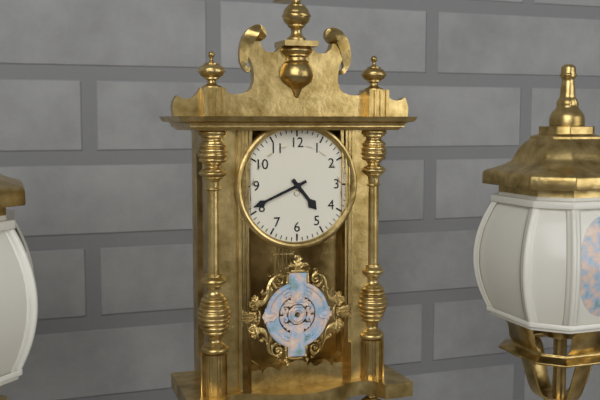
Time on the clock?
4:41
